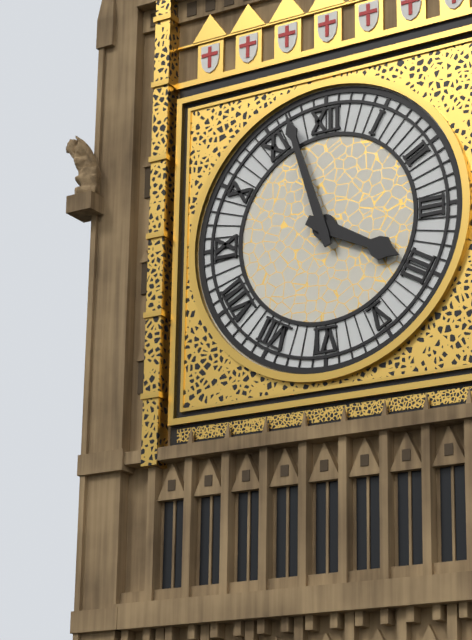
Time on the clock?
3:57
